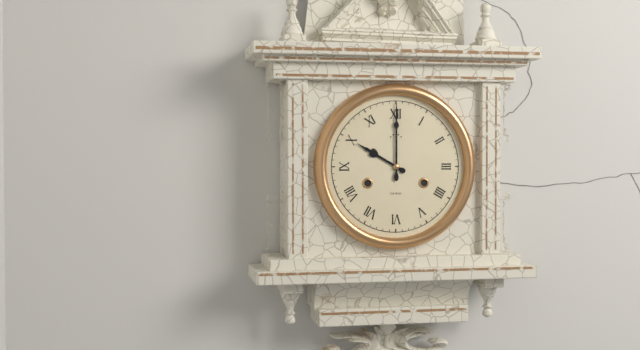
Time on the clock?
10:00
